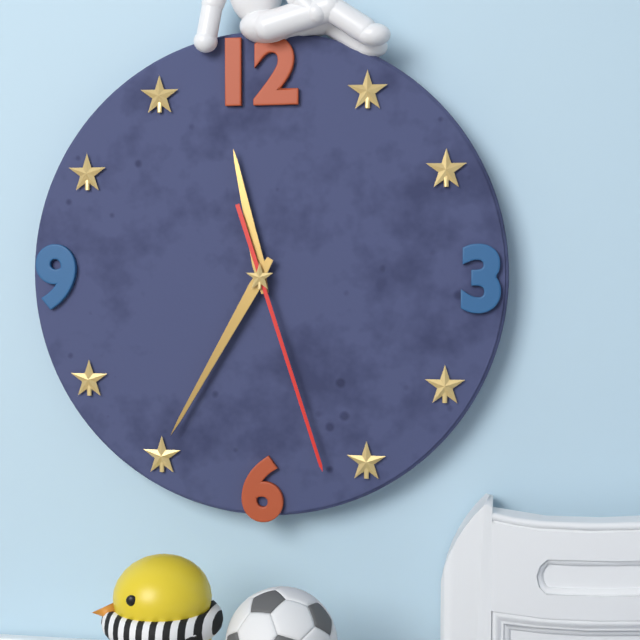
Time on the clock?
11:35:27
